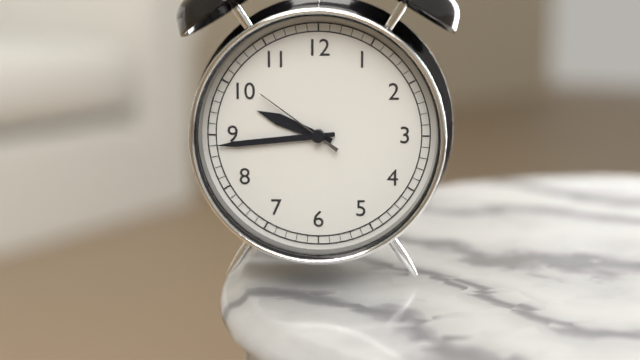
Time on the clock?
9:44:51
